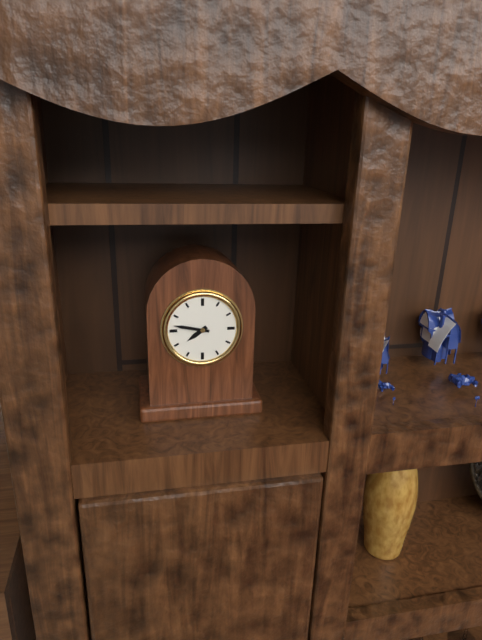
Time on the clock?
7:47
